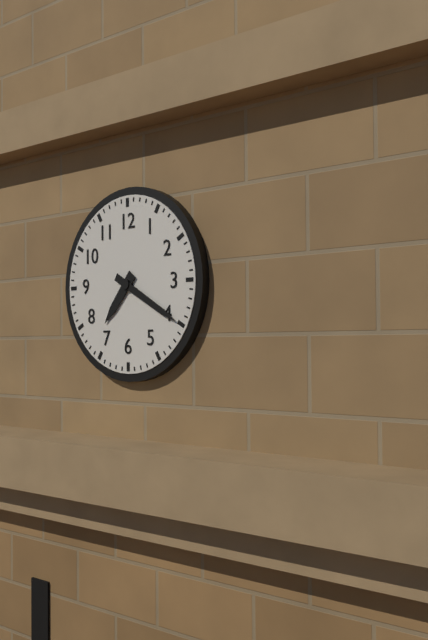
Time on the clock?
7:20
